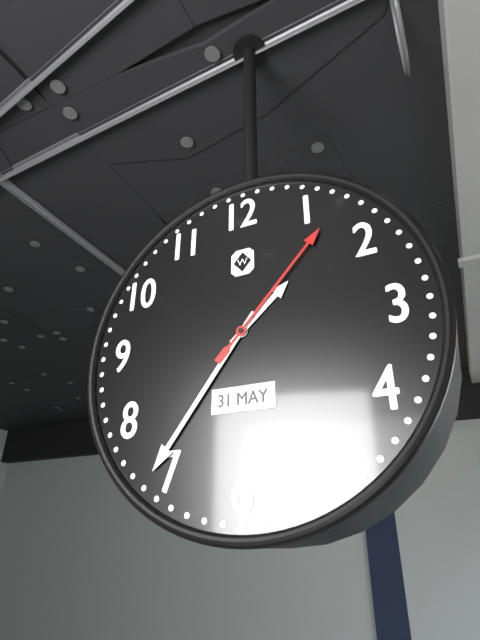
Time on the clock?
1:36:07
